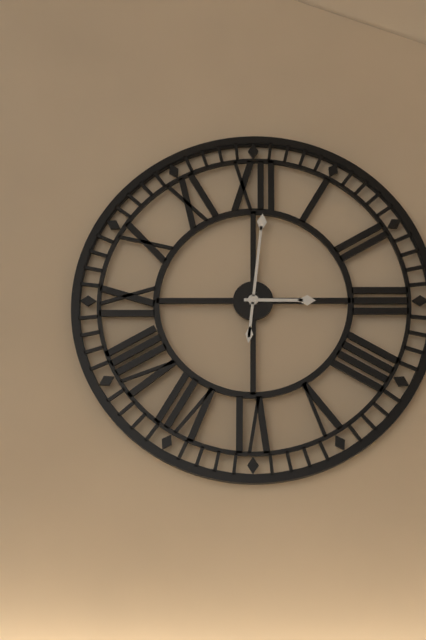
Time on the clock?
3:01
